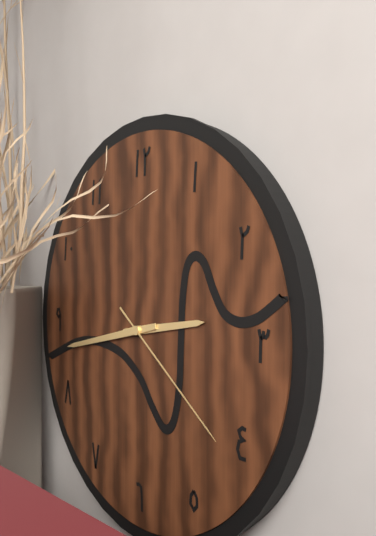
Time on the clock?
2:43:21
